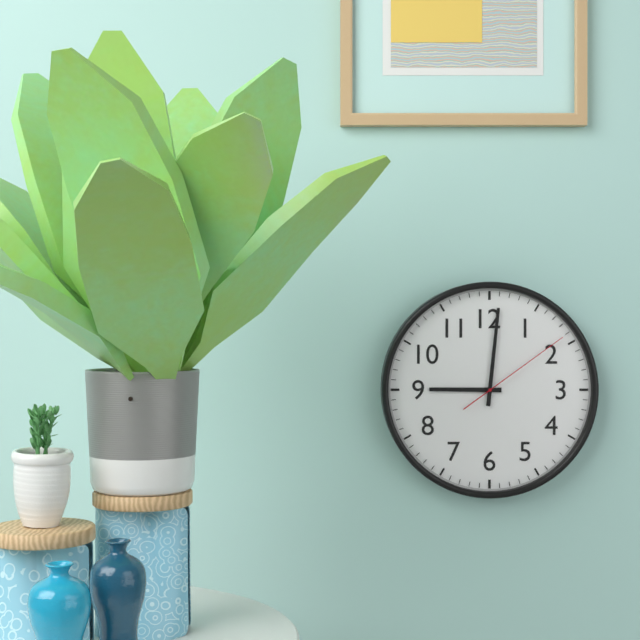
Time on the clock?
9:01:09
